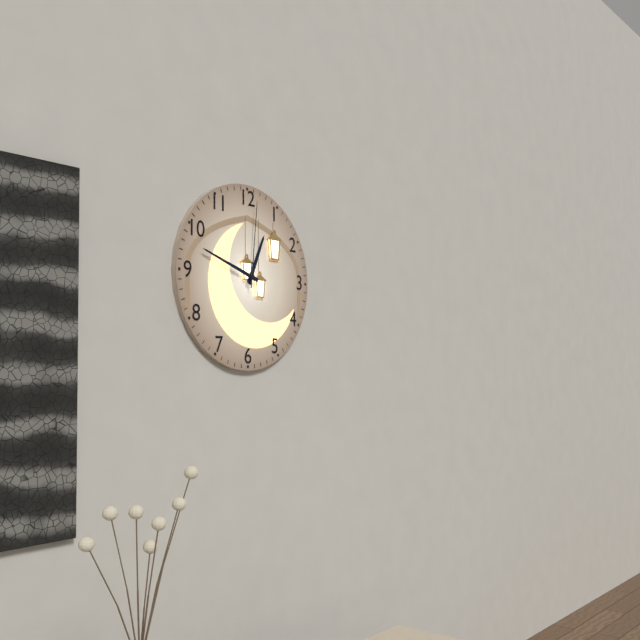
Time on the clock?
12:48:01
